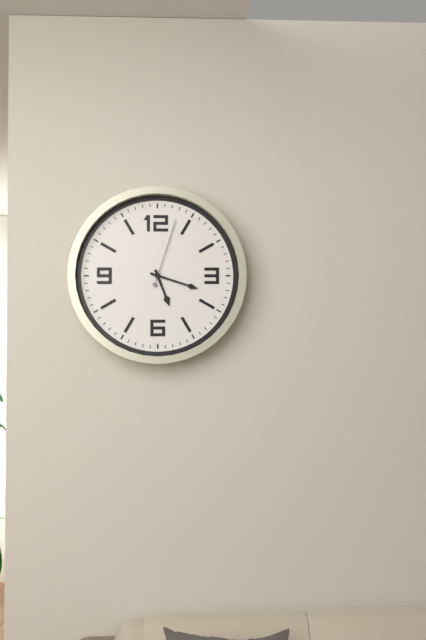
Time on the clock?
5:18:03
